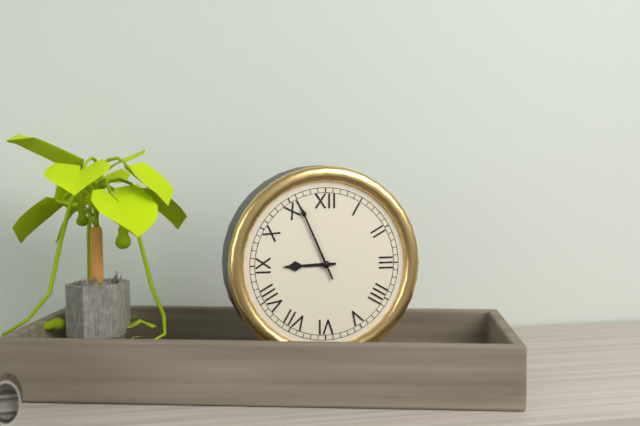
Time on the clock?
8:56
